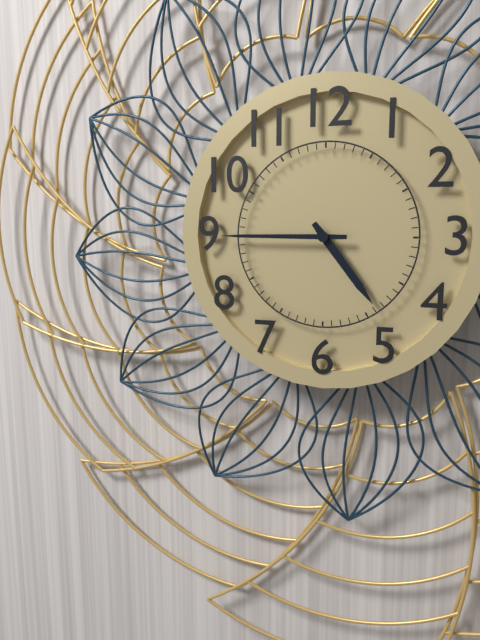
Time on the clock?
4:45
